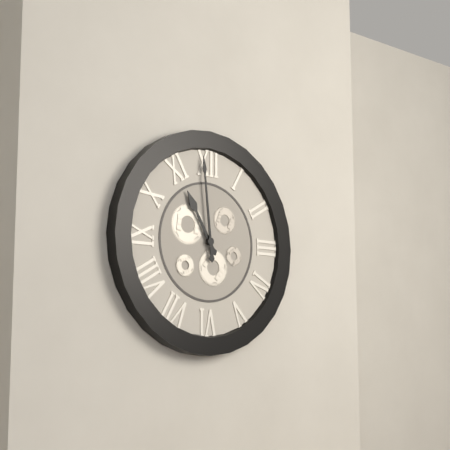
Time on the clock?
10:59
